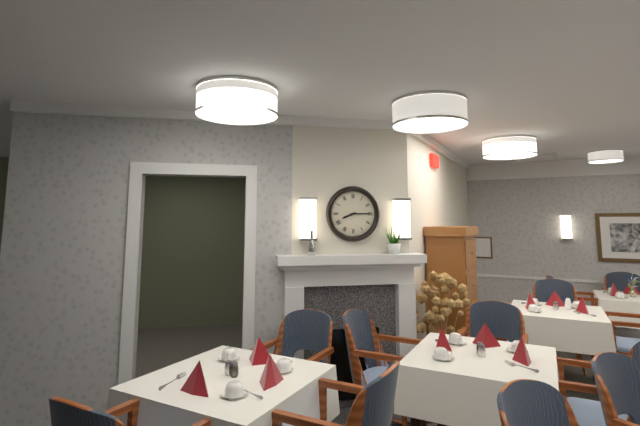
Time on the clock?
8:15
